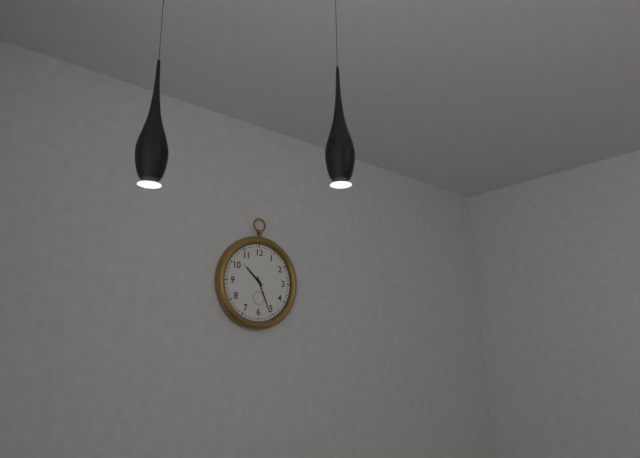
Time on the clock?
10:26
